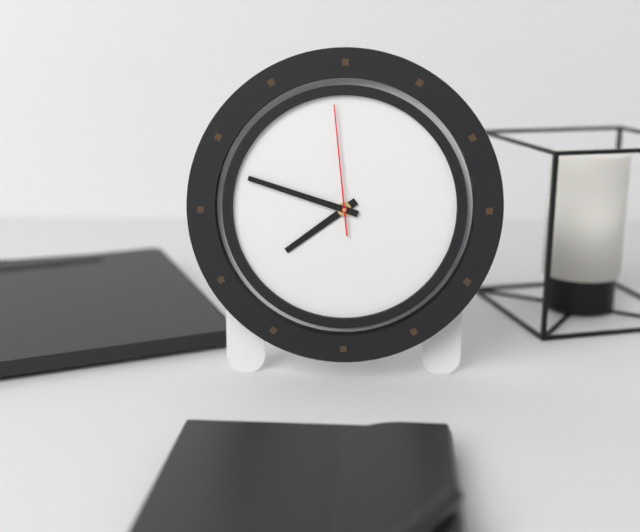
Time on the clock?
7:48:59
